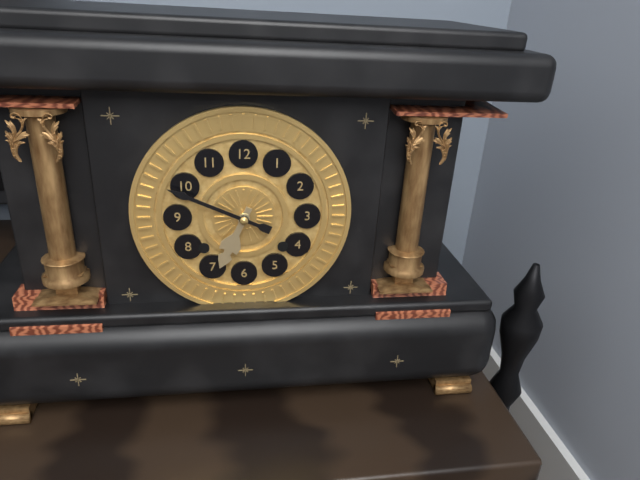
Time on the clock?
6:49
